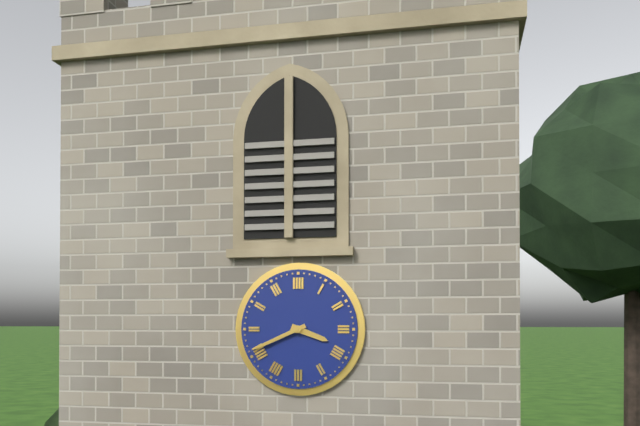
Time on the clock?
3:41
